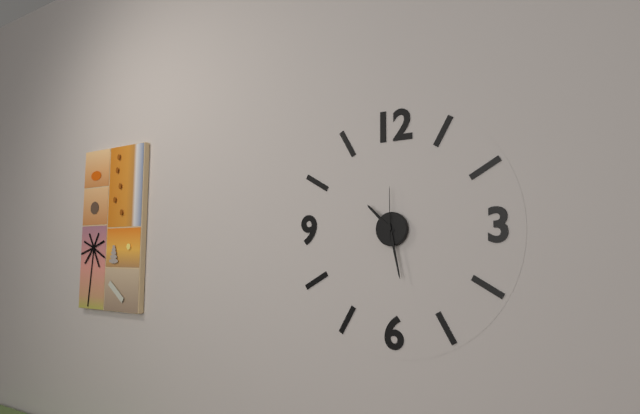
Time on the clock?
10:28:00
